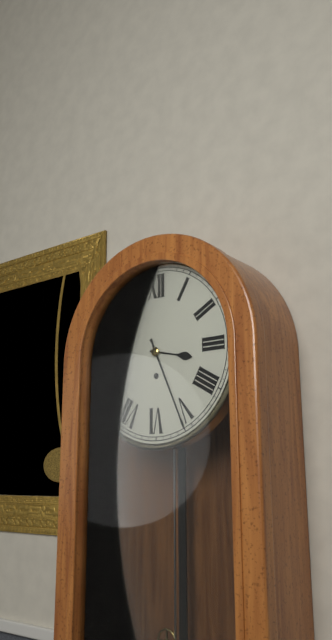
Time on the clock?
3:26
